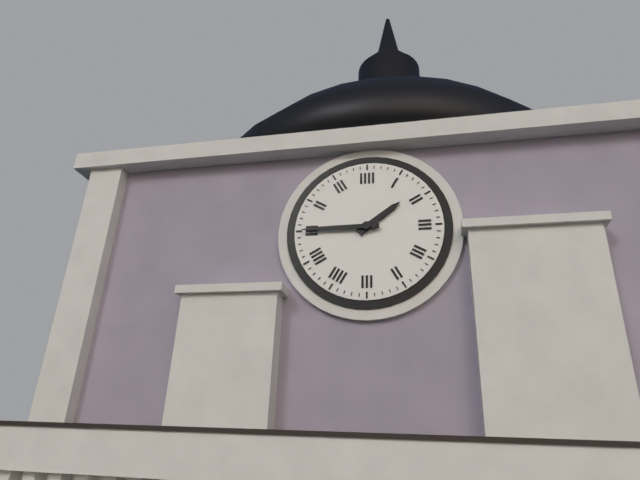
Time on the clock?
1:45
